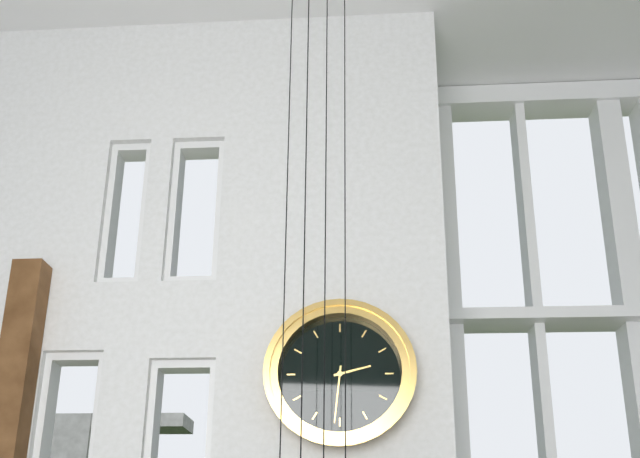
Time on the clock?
2:31
